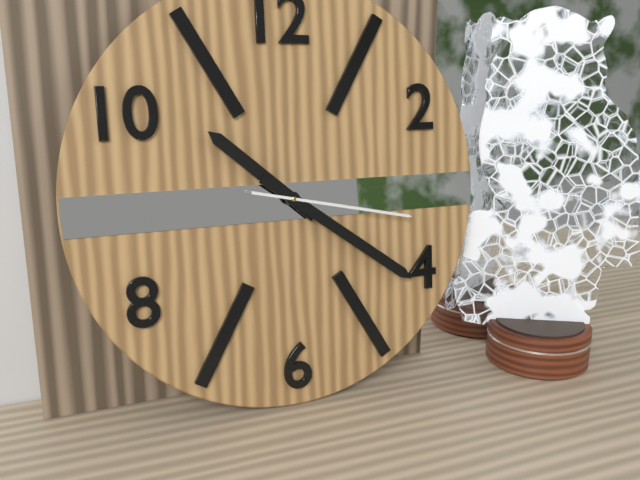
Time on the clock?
10:21:17
